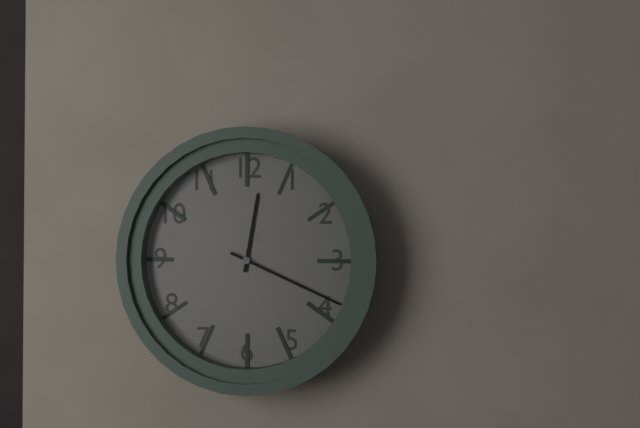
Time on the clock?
12:19
